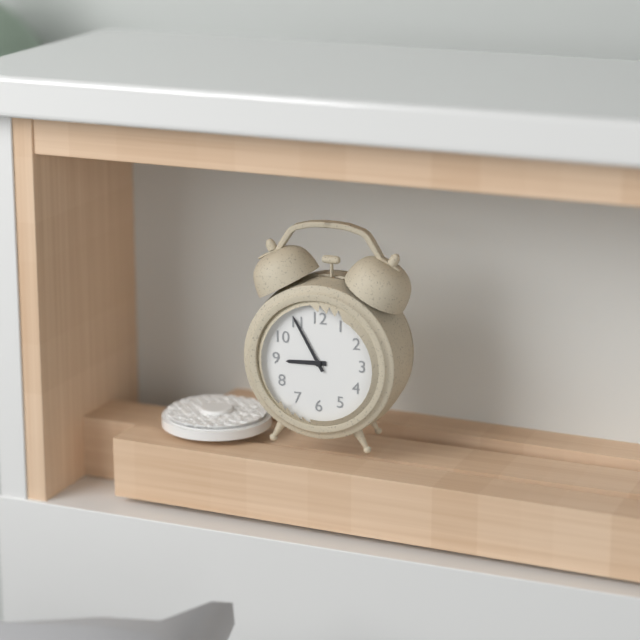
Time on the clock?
8:55
